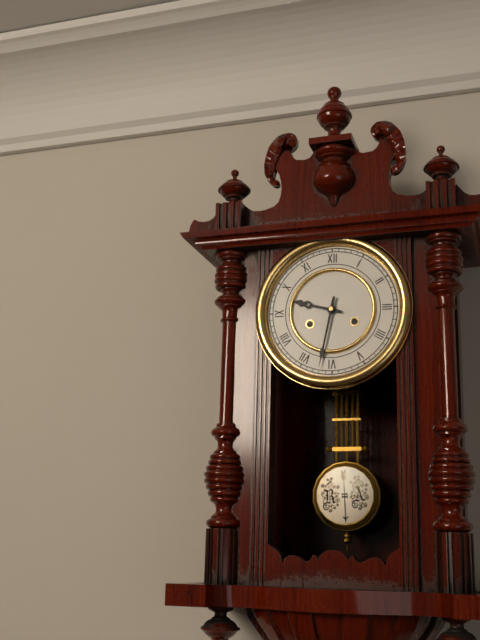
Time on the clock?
9:32
